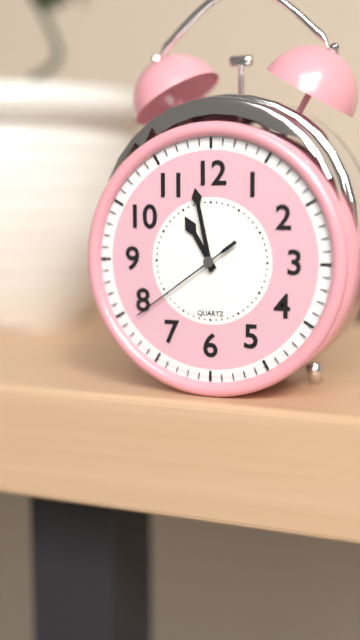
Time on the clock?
10:58:39
